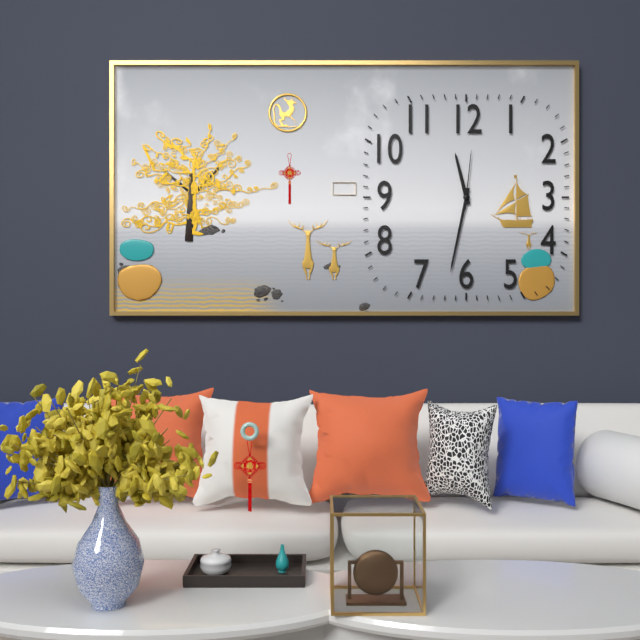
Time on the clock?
11:32:01
